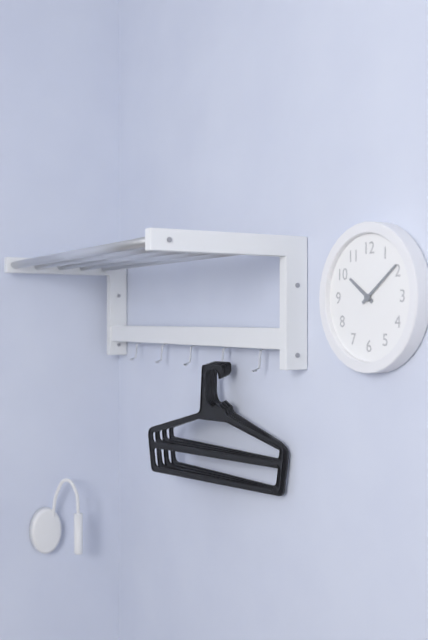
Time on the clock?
10:09
